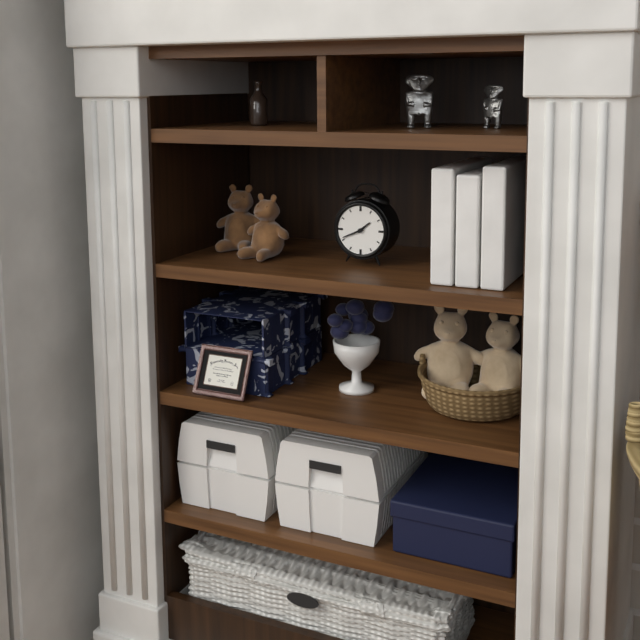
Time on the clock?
1:41
